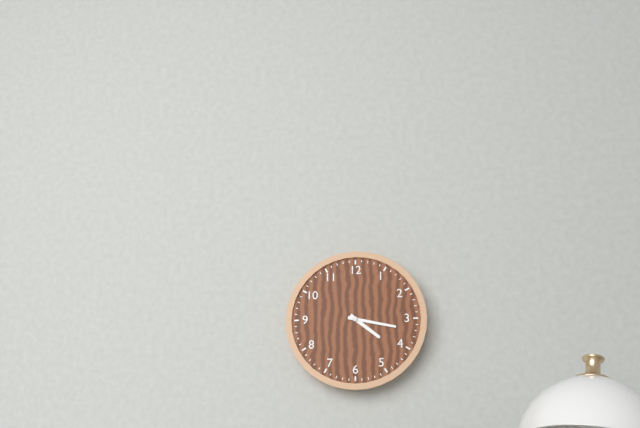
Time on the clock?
4:17
